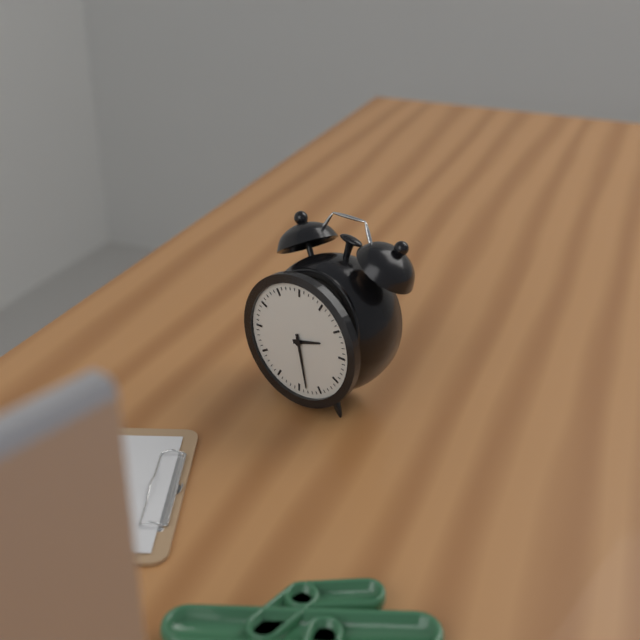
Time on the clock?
2:28
